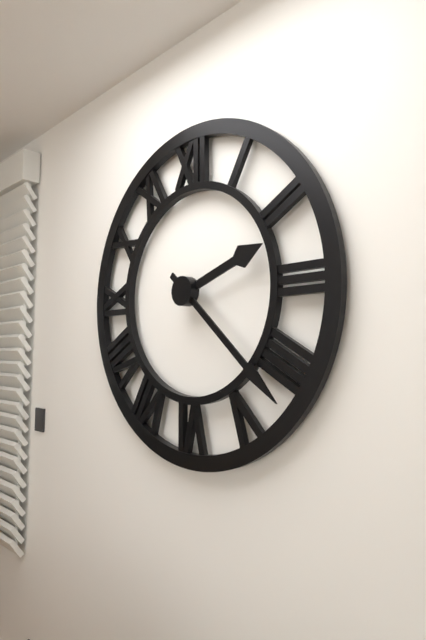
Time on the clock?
2:22
